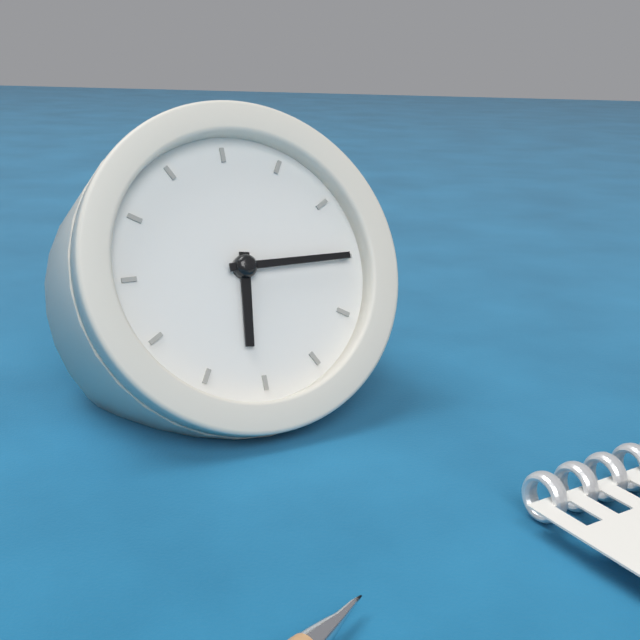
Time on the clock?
6:15
